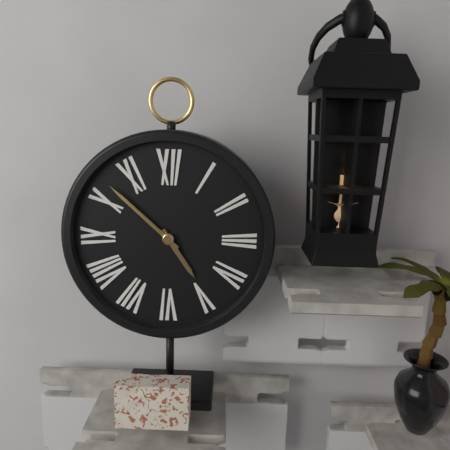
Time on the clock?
4:52
